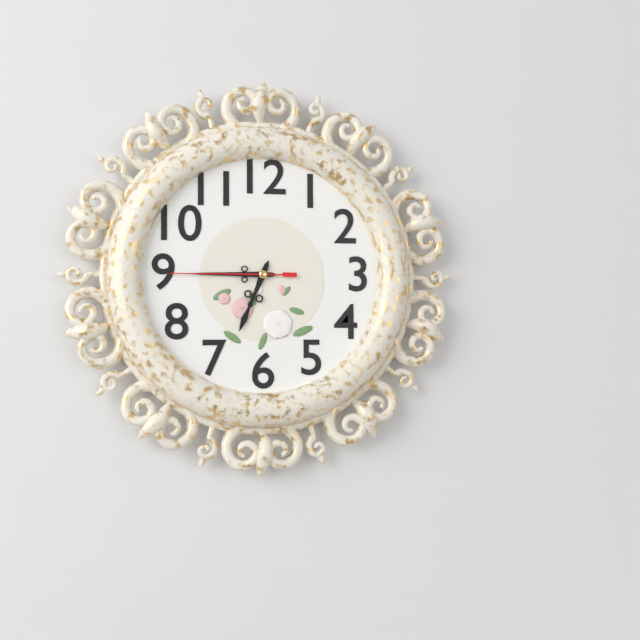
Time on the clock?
6:45:45
